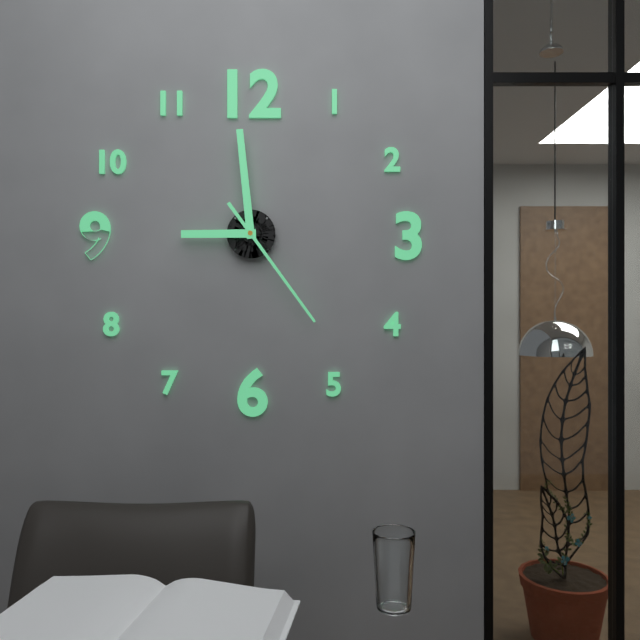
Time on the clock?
8:59:24
